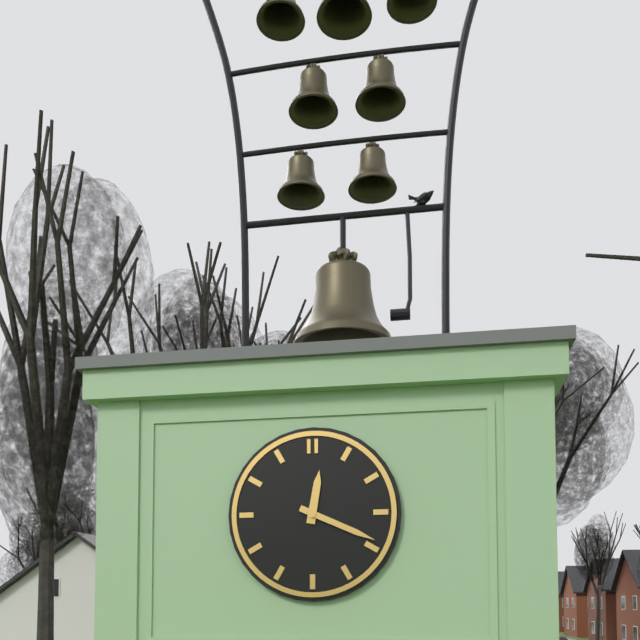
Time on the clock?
12:19
